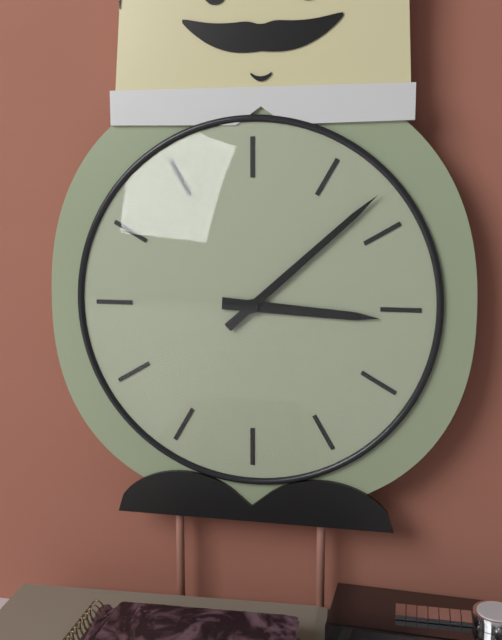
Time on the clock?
3:08
